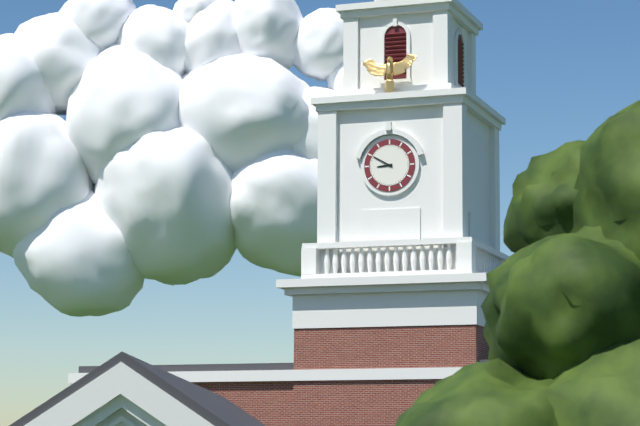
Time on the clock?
8:50
